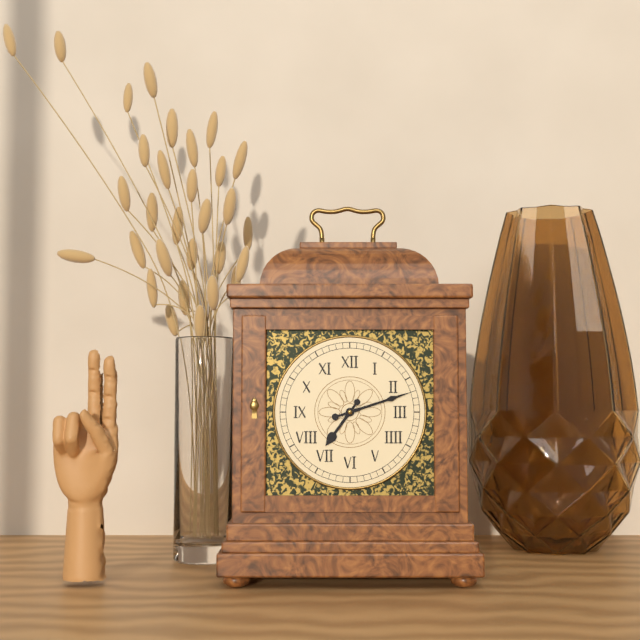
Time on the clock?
7:12
